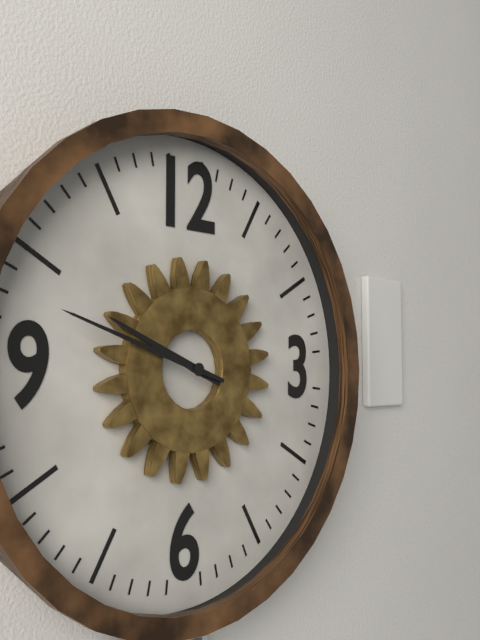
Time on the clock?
9:48
